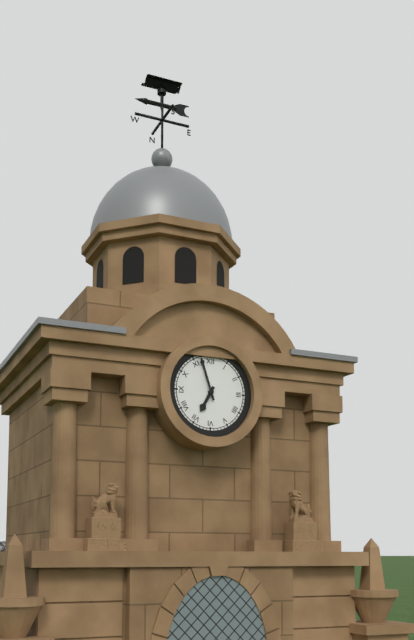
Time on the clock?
6:57
